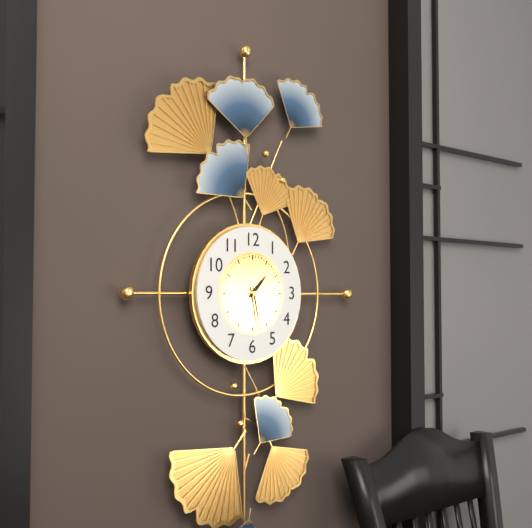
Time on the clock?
1:28
